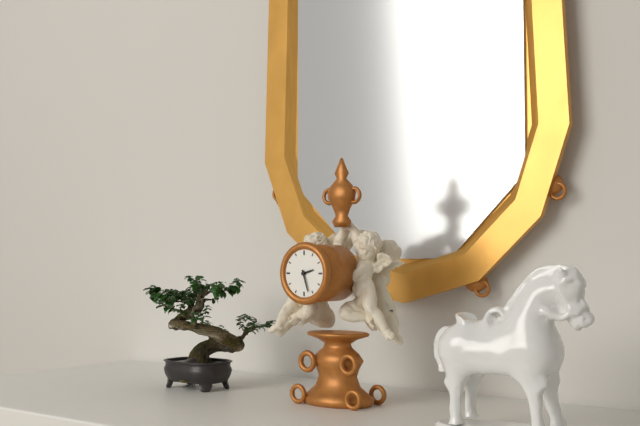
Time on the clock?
2:27
